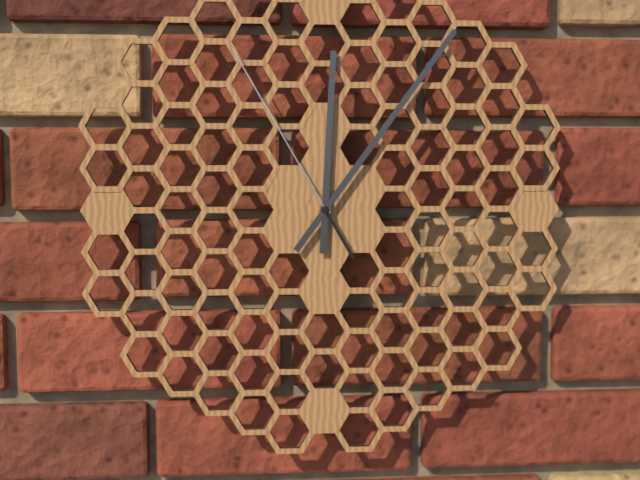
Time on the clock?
12:06:55
